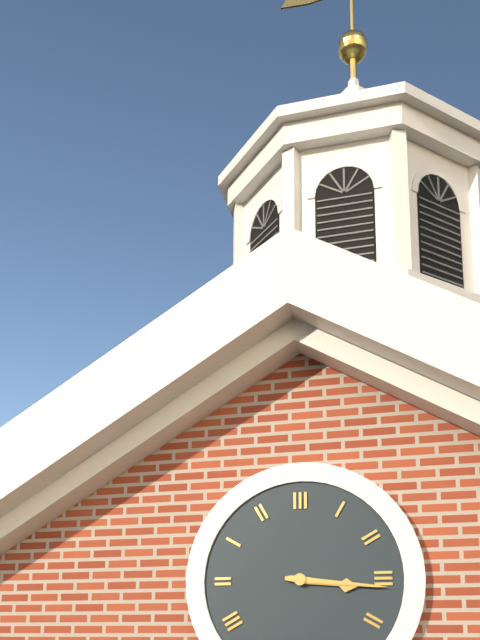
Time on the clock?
3:16
